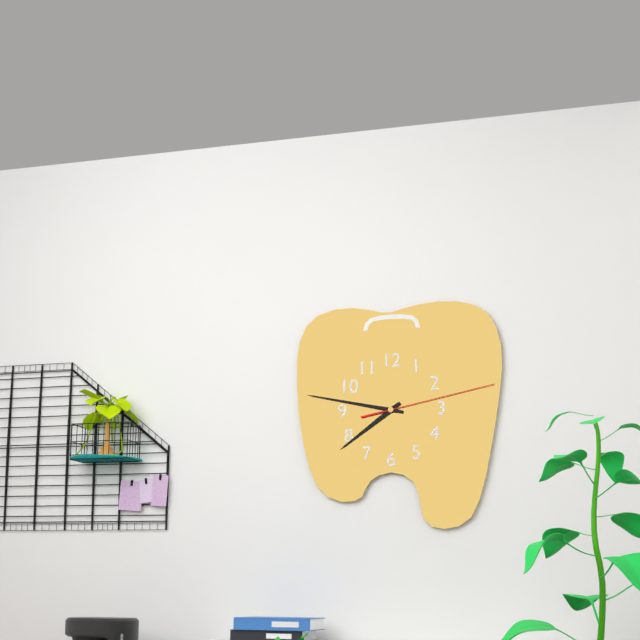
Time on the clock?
7:47:13
